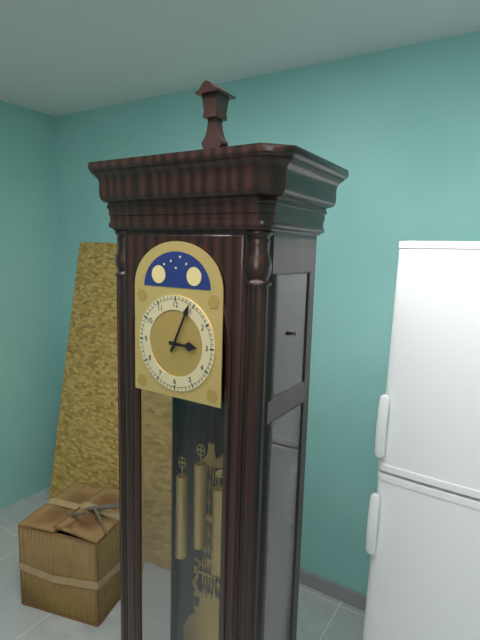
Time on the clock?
3:04
